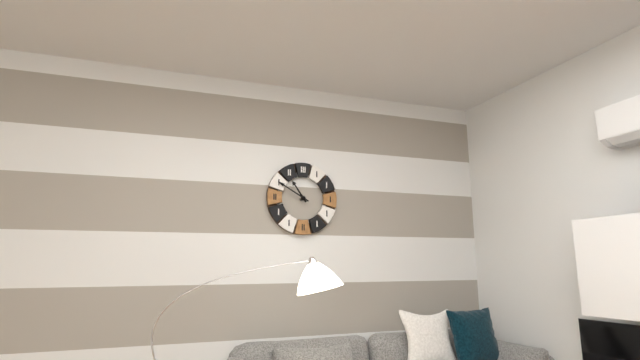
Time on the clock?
10:50
